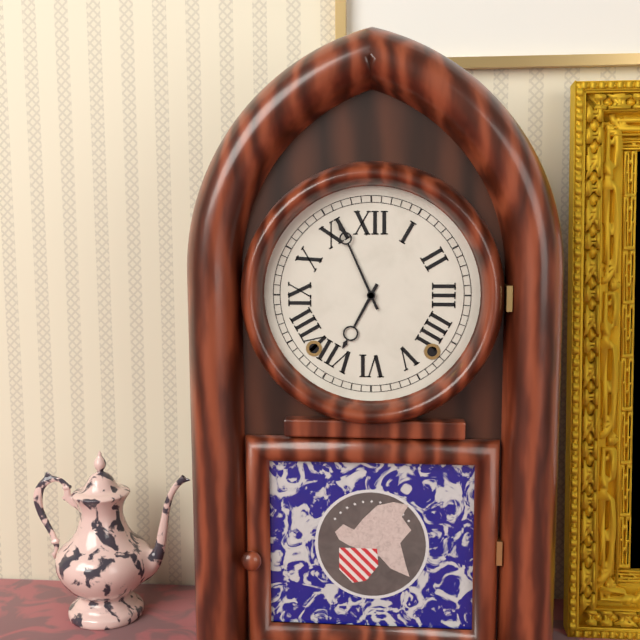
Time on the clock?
6:56
